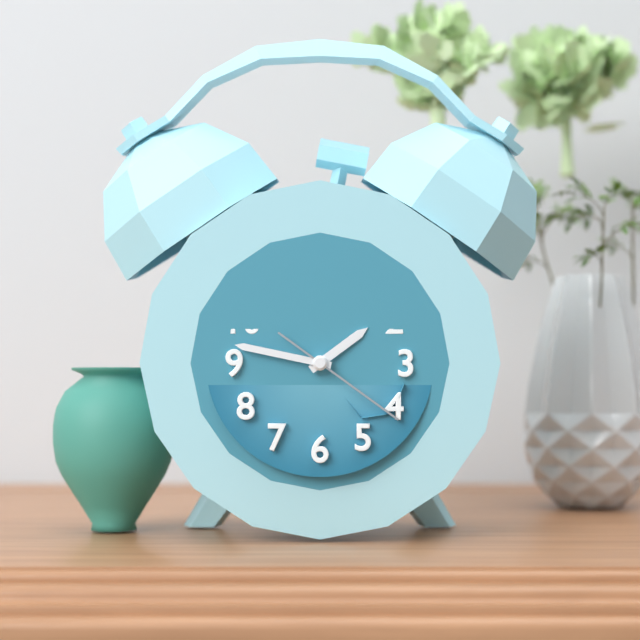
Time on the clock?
1:47:21
